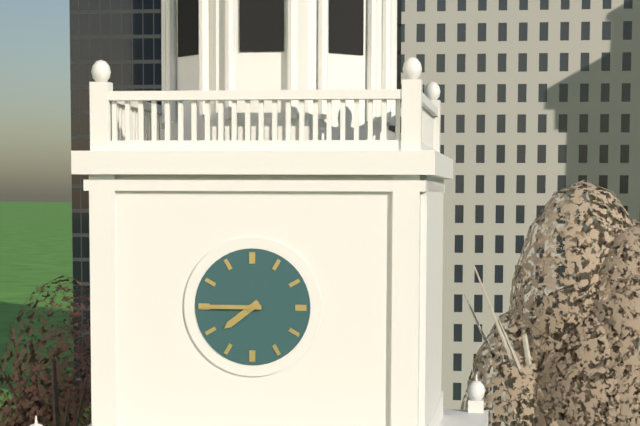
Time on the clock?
7:45
